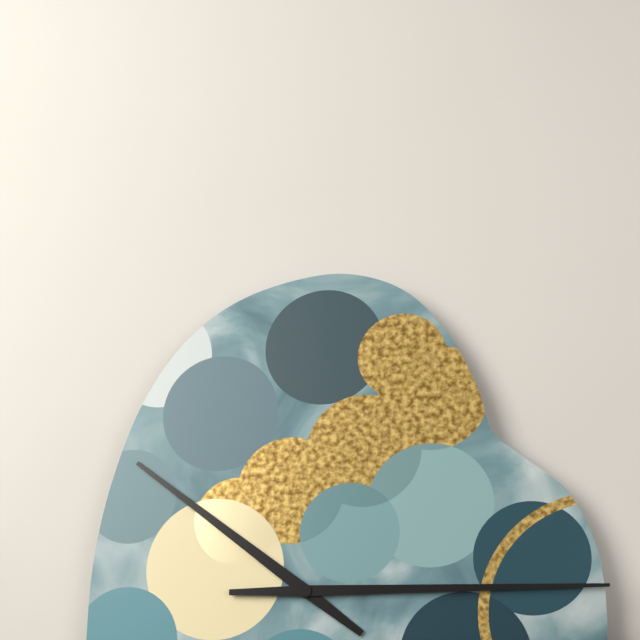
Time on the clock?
10:15
